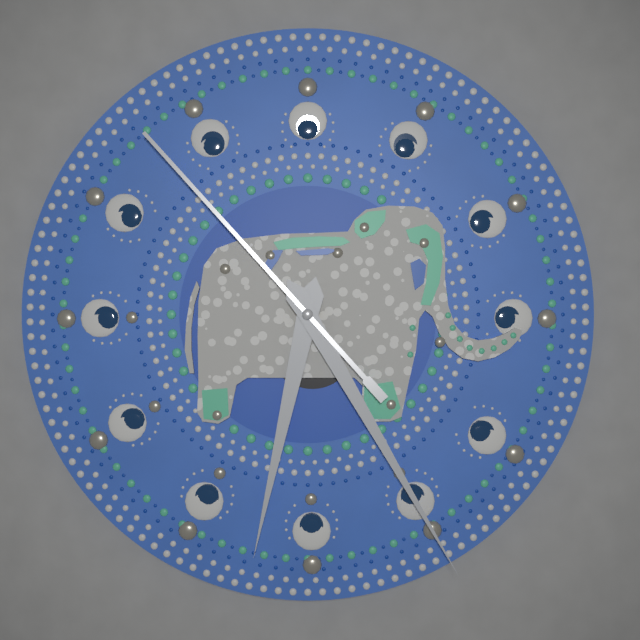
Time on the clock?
6:25:53
